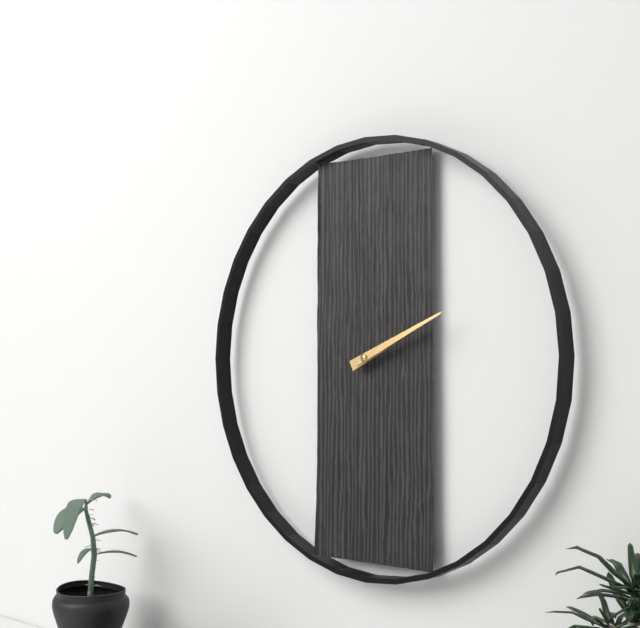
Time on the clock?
2:11
